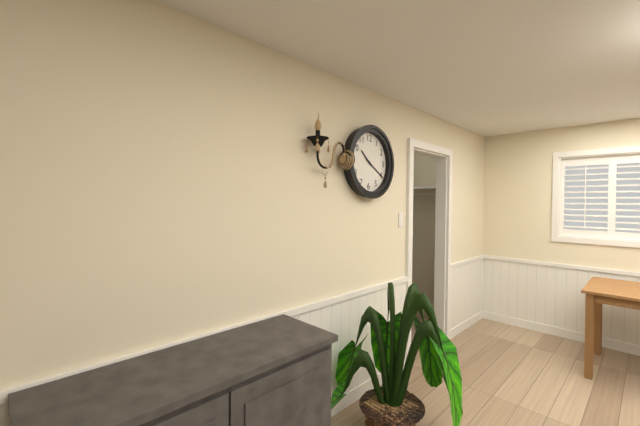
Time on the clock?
10:20
